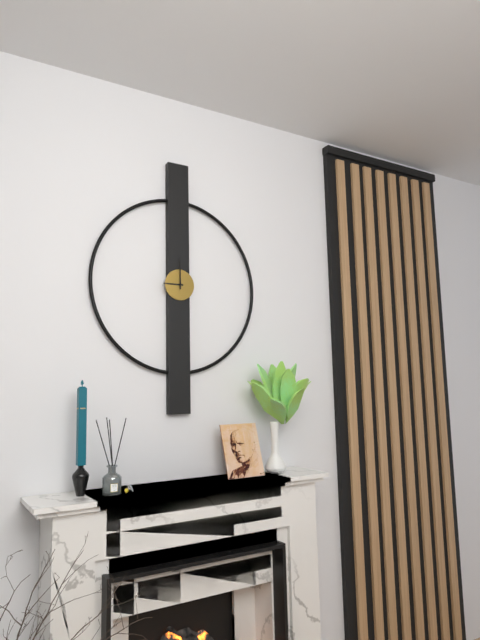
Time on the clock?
9:00
